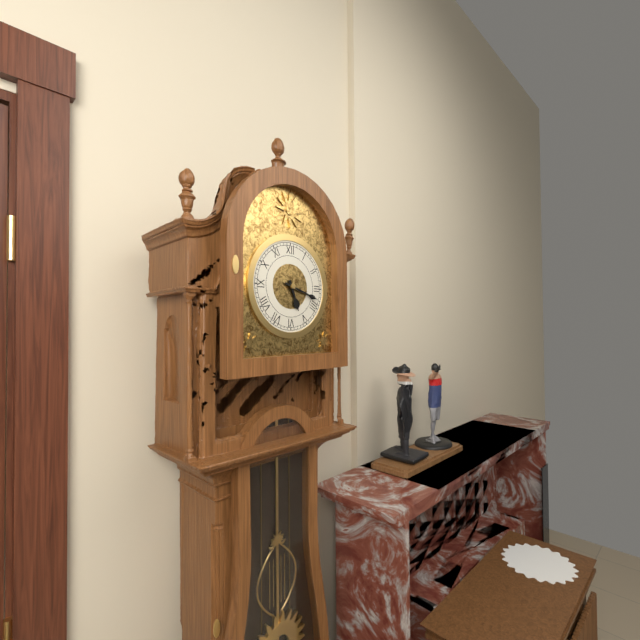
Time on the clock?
5:18
